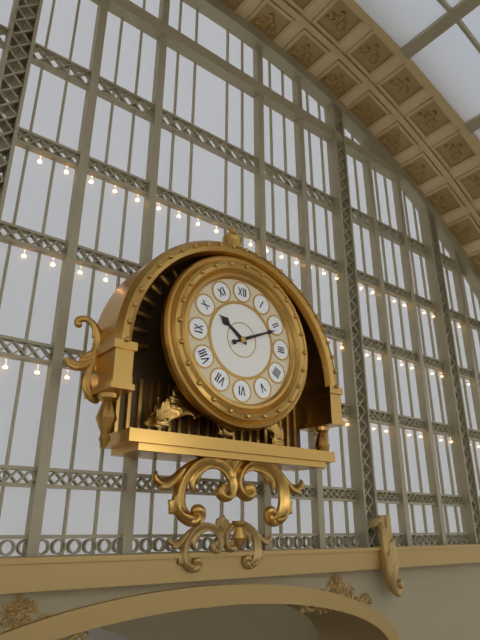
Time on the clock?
10:11
